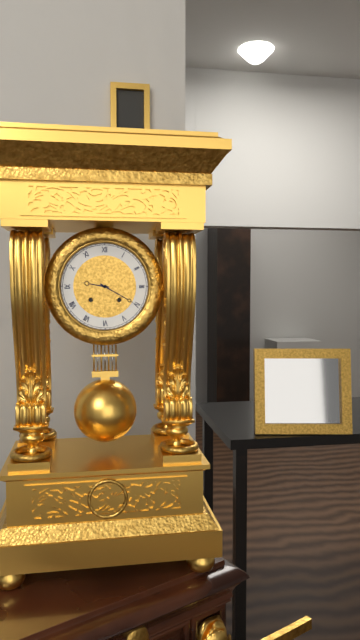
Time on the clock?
9:20
